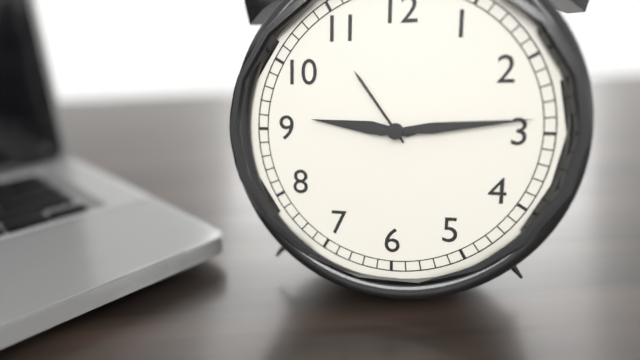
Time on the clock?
9:14
